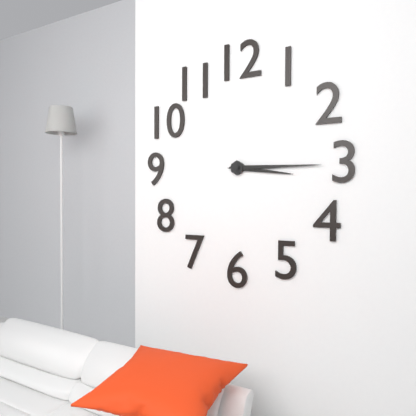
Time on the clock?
3:15
